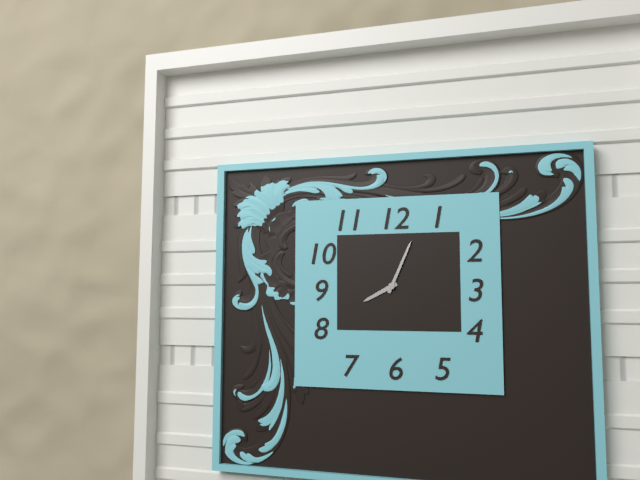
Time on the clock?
8:04
